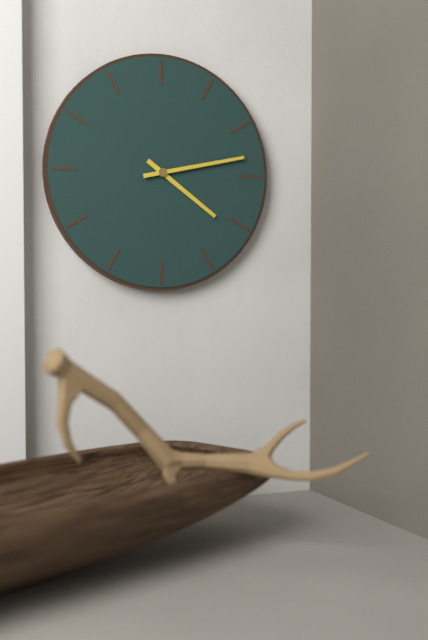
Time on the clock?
4:13
